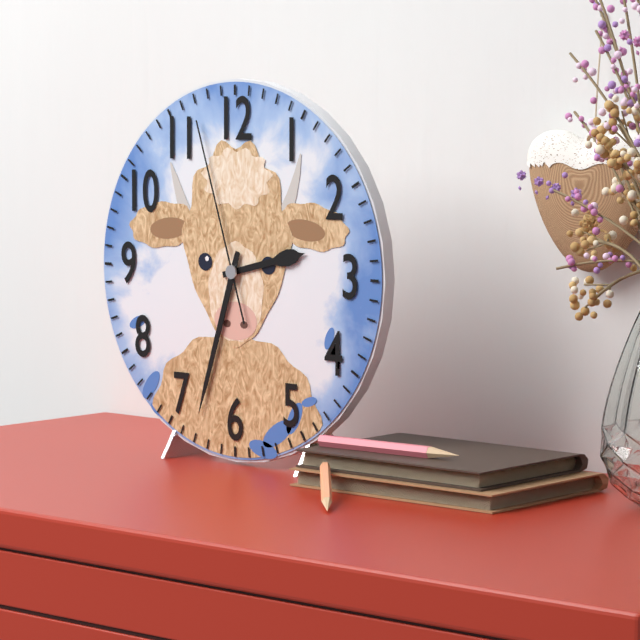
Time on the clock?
2:33:57
